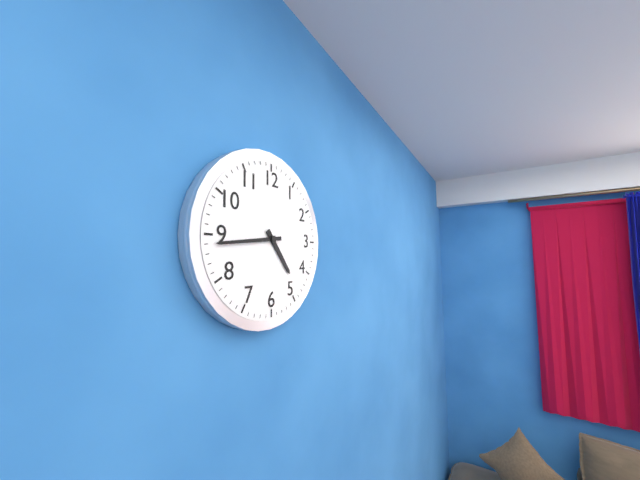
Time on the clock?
4:44
